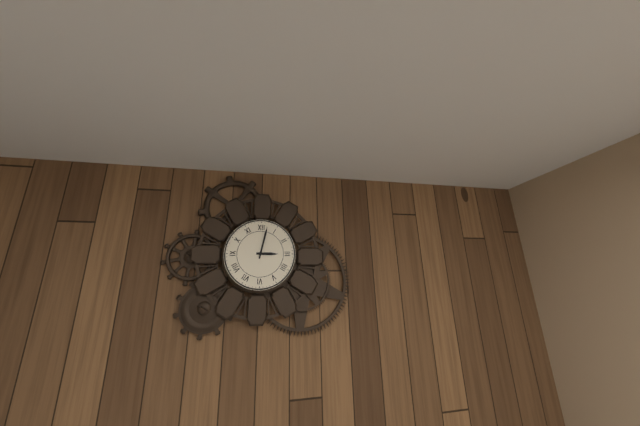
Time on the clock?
3:02
